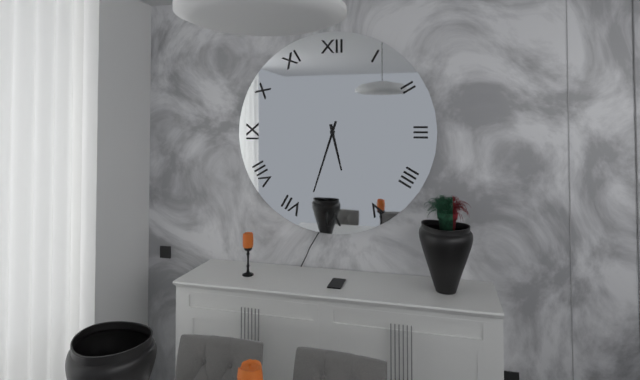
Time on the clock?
5:33
